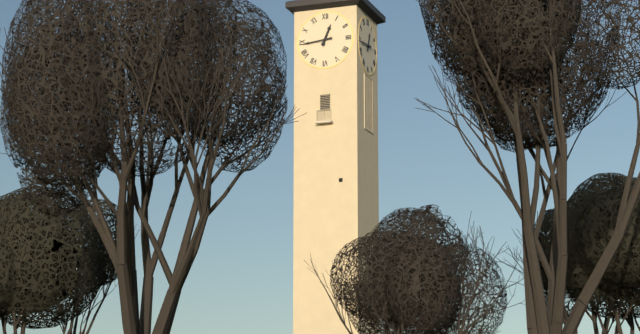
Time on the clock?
12:44
